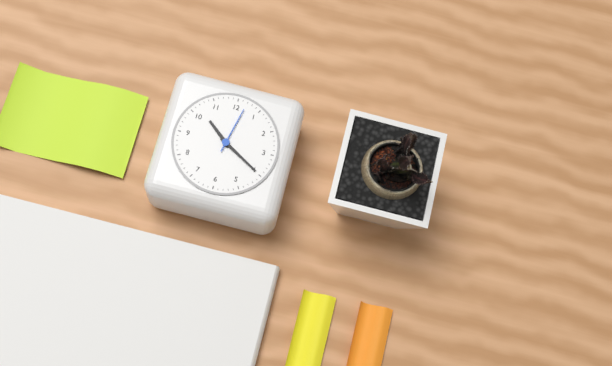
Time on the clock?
10:20
